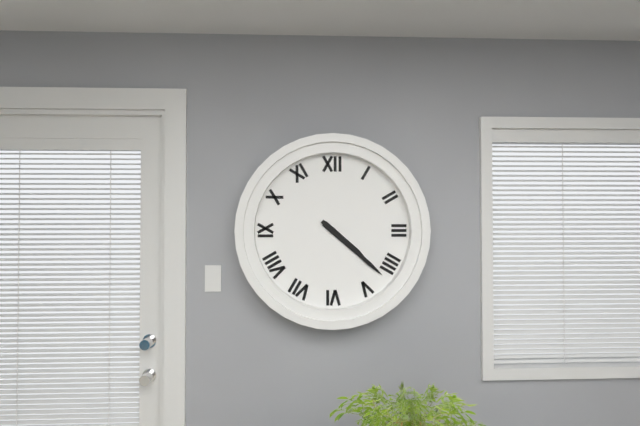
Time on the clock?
4:22
